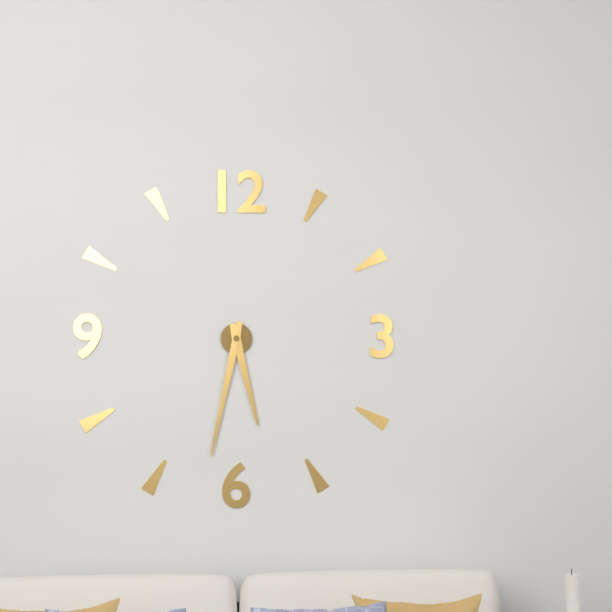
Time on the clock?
5:32
